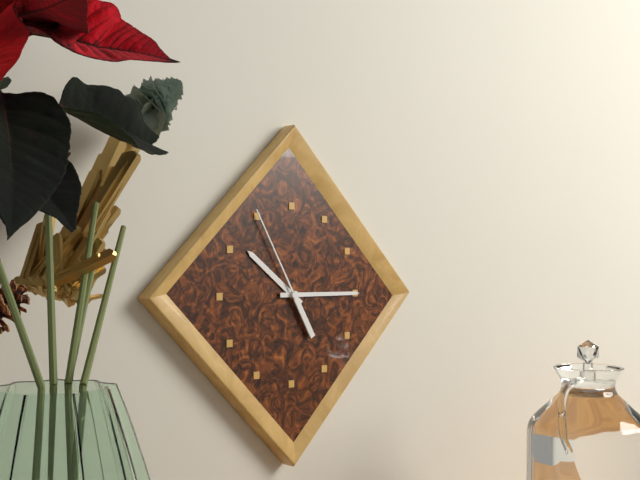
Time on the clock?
10:15:55
